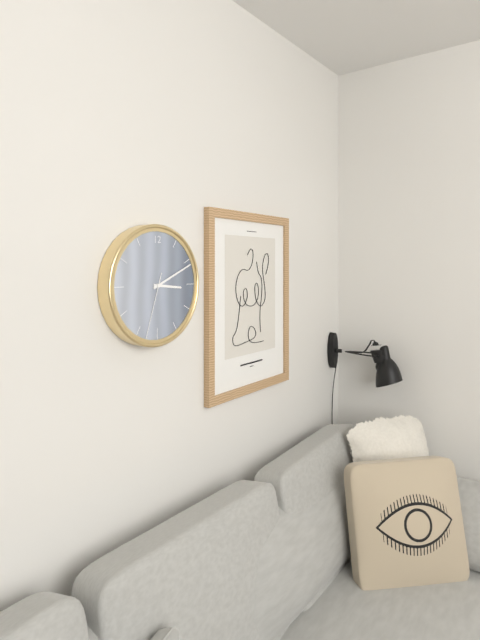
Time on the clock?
3:11:33
